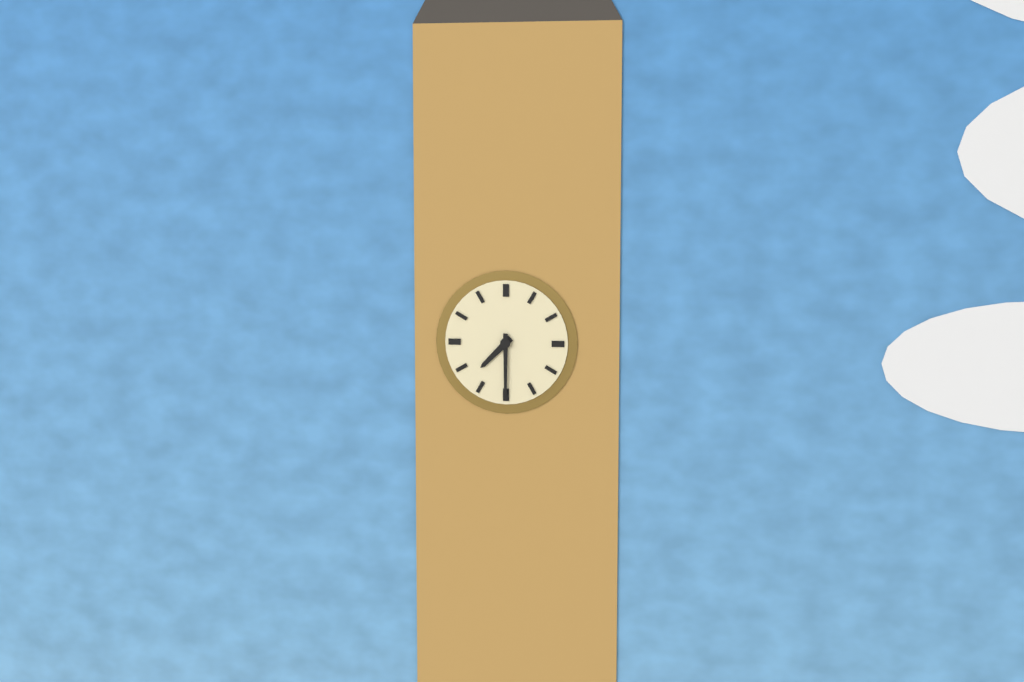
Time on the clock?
7:30
